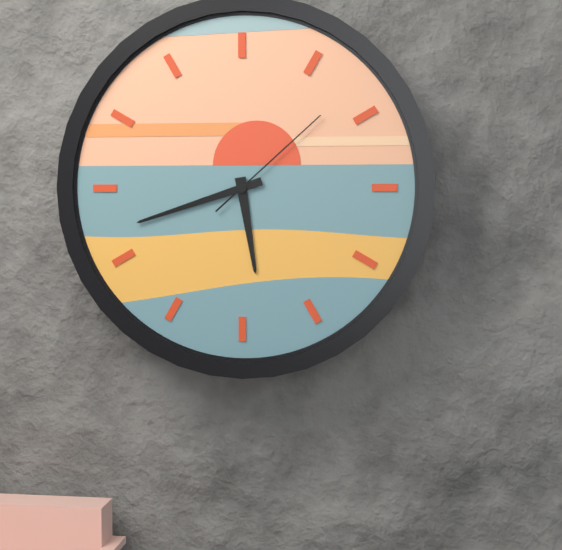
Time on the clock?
5:42:08
